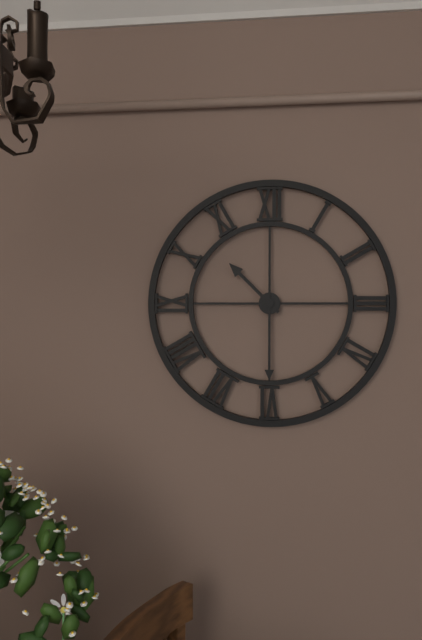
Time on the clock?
10:30
